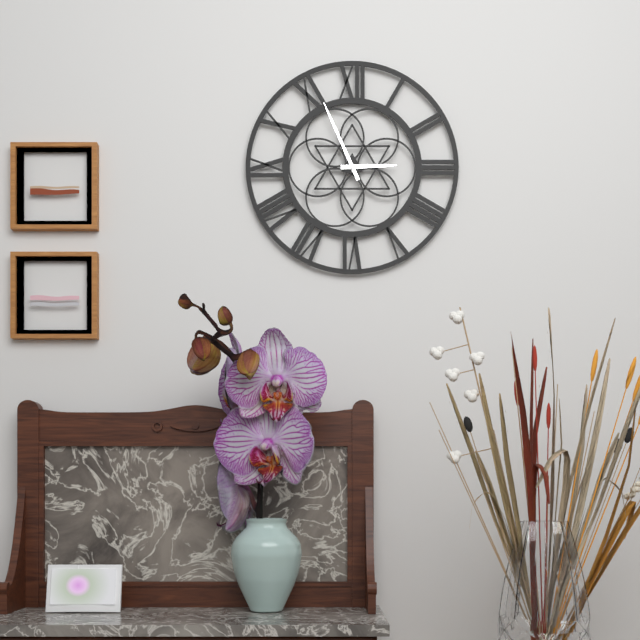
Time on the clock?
2:56
